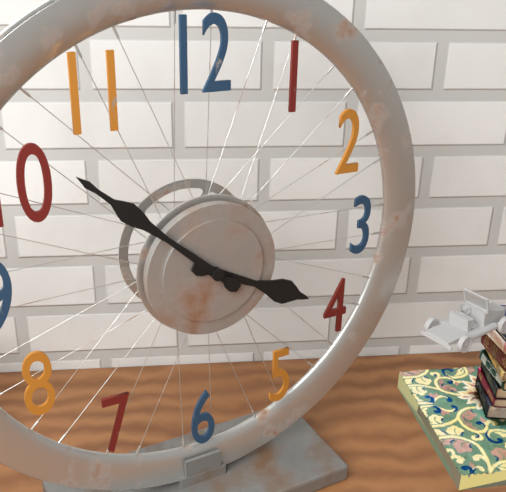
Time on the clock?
3:52
